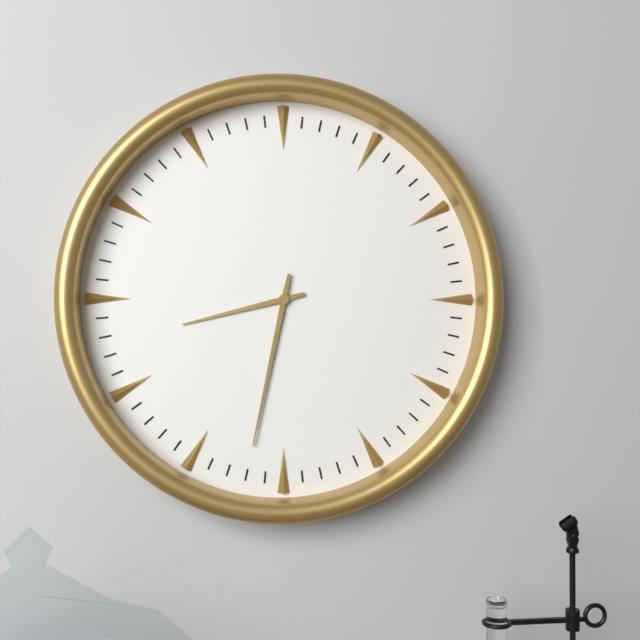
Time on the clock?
8:32
